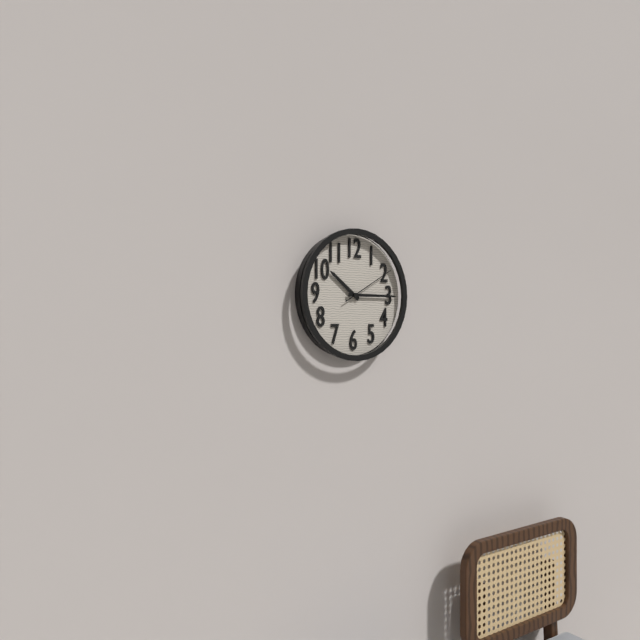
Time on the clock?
10:15:10
